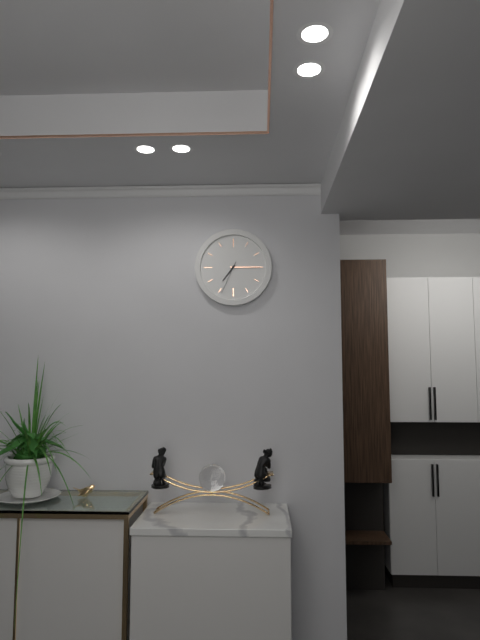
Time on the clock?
7:15
